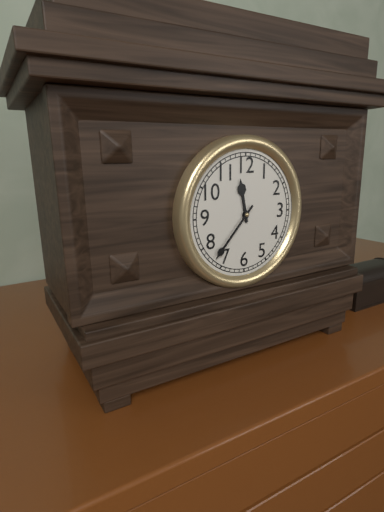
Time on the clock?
11:37
